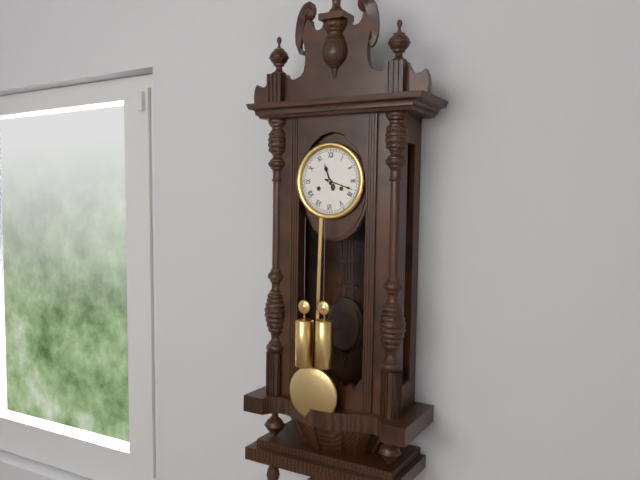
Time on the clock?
11:18
